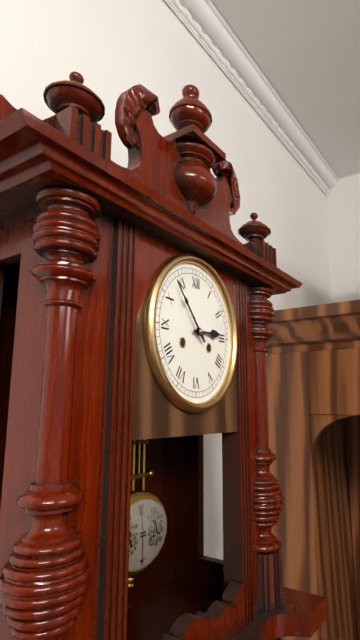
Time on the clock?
2:53
